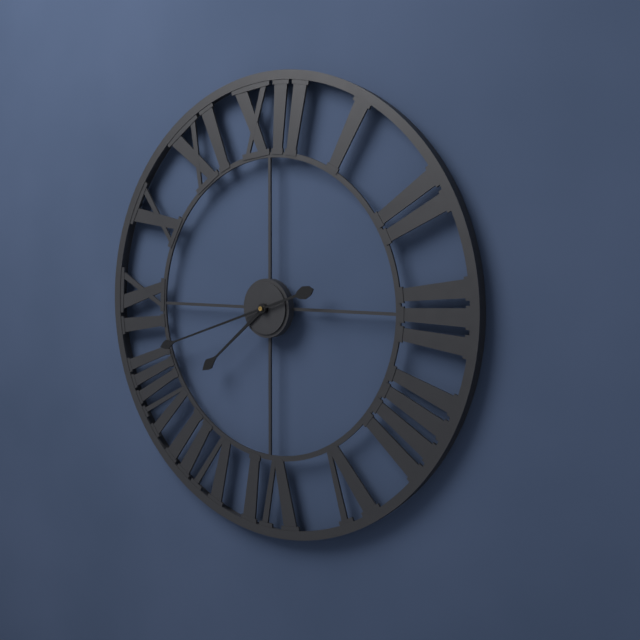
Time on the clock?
7:42
